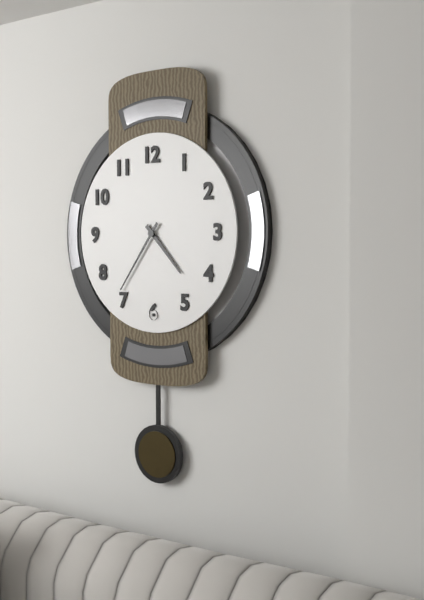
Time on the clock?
4:36
